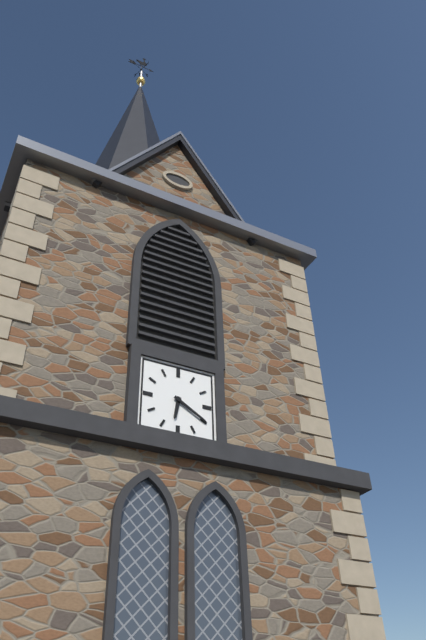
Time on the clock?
6:20
